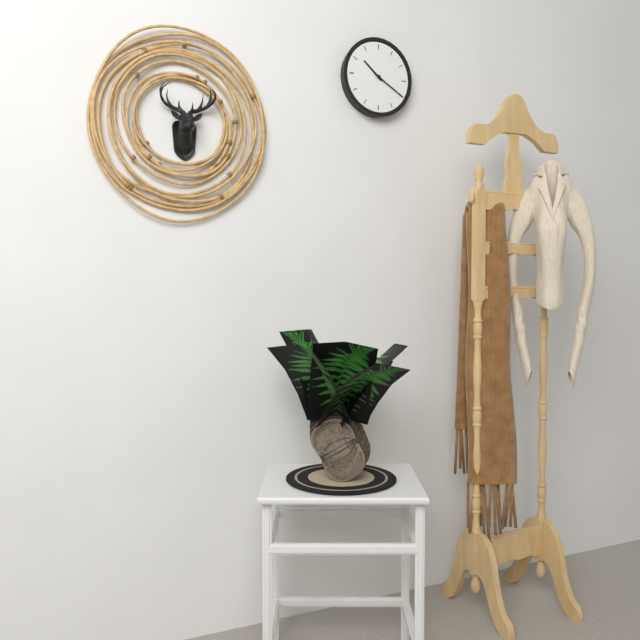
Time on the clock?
10:20
